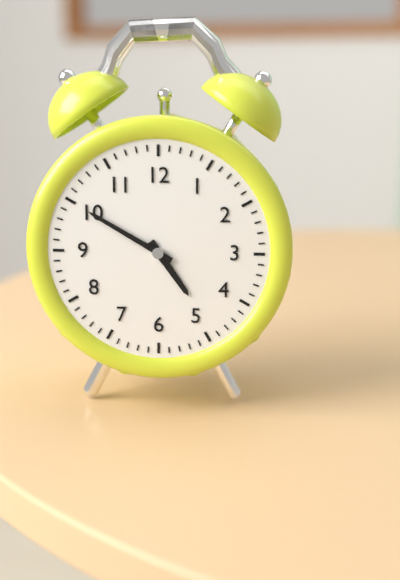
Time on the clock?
4:50
